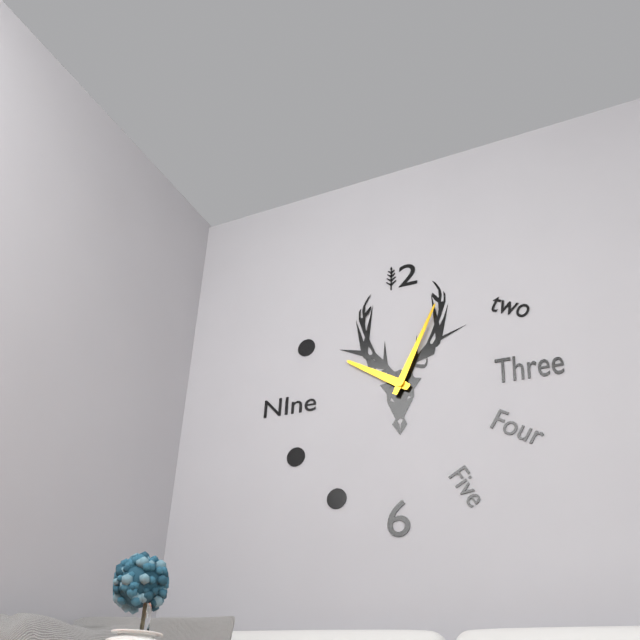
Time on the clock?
10:04
